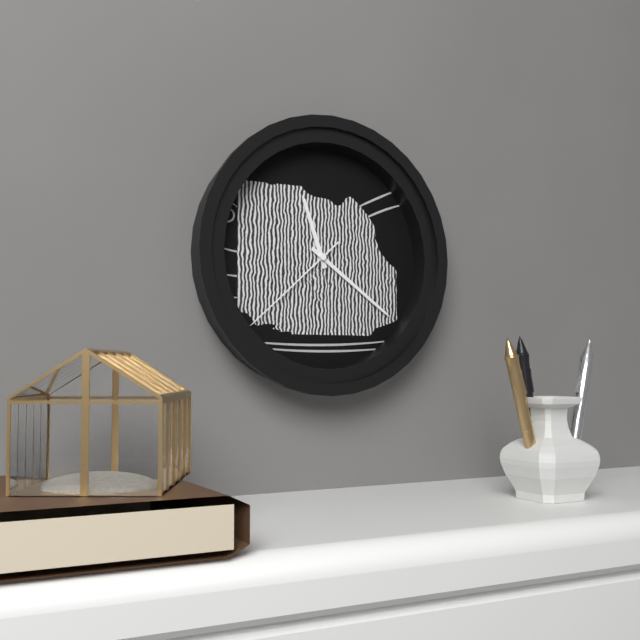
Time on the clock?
11:21:38
